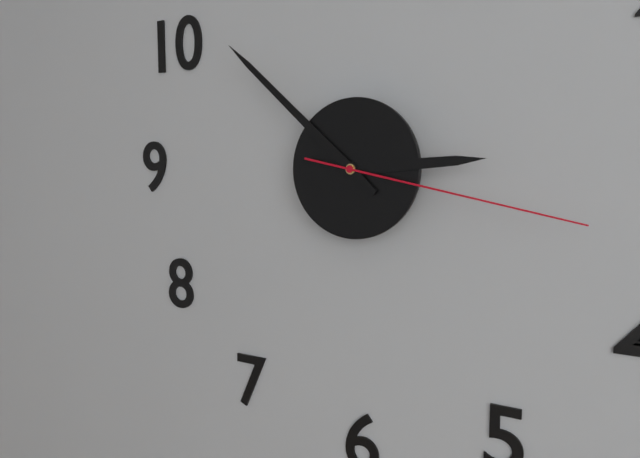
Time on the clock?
2:52:17
